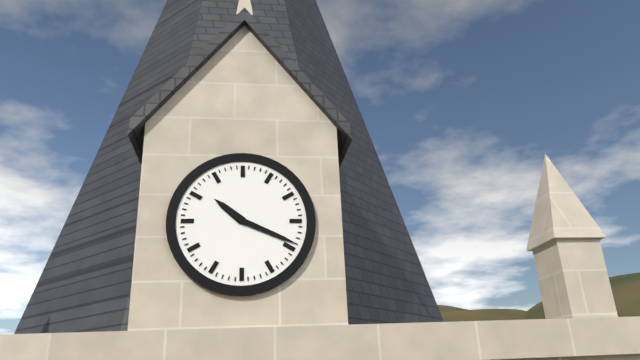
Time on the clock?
10:19
